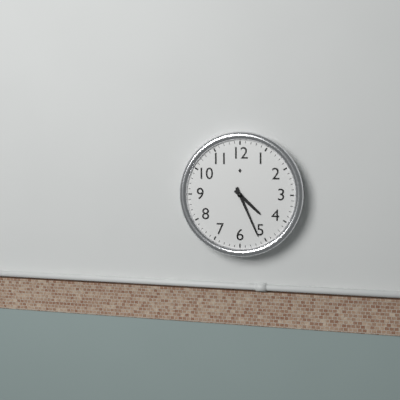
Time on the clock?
4:26
